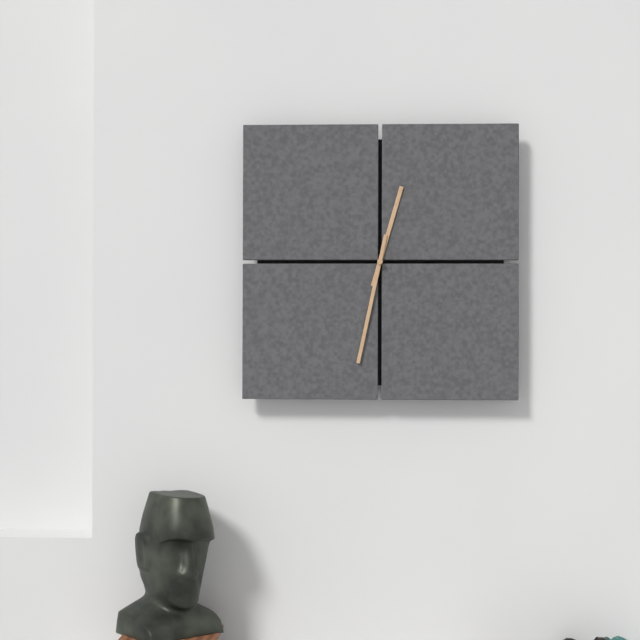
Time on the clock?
12:32
